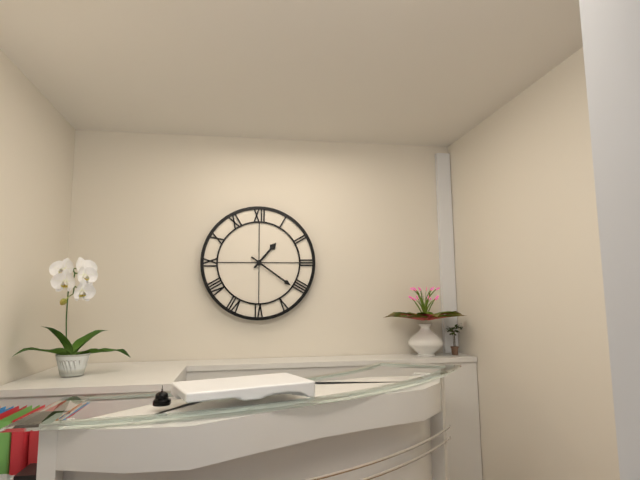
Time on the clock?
1:21
